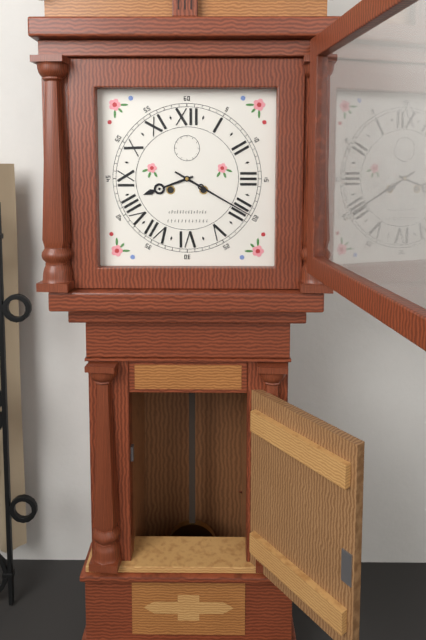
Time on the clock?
8:20
